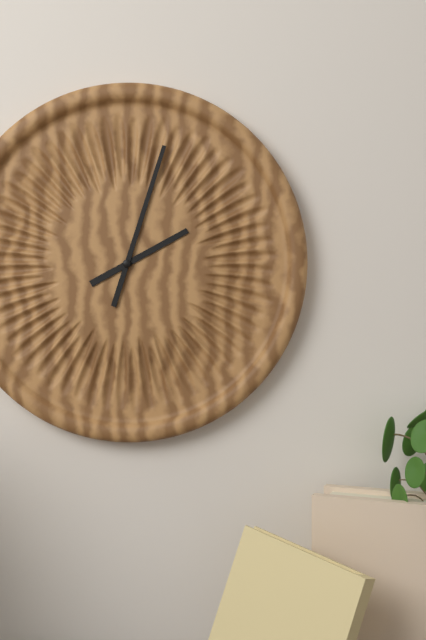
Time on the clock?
2:03
